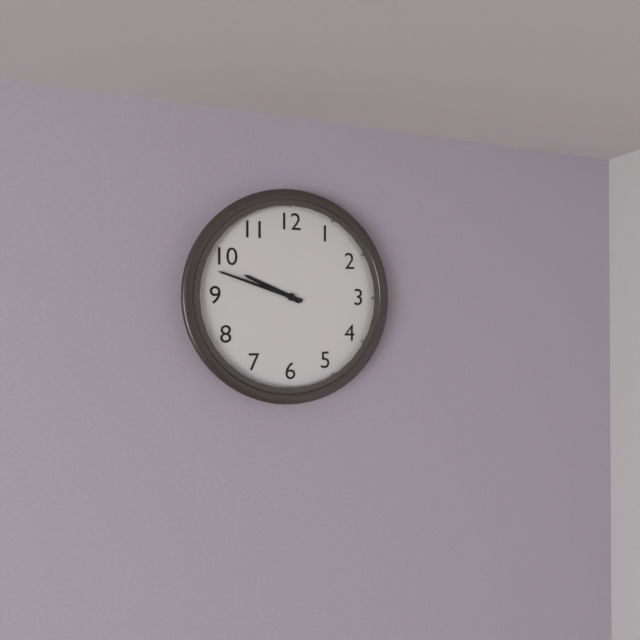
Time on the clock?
9:48
